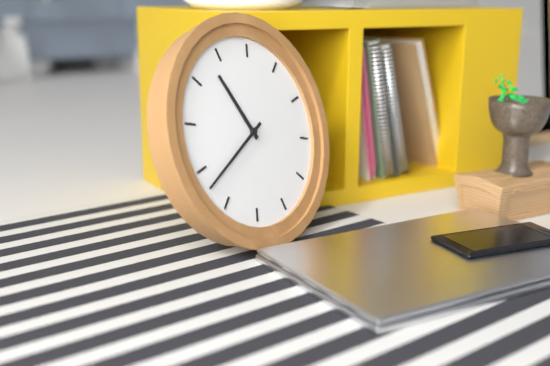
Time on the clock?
10:38
